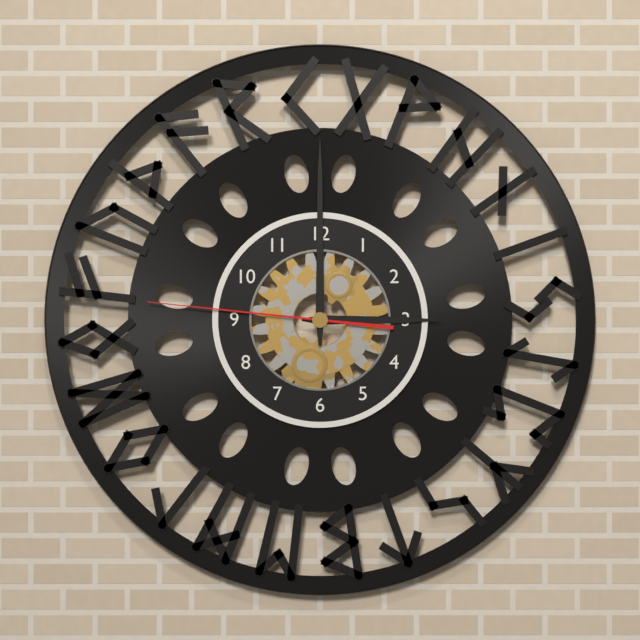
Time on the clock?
3:00:46
